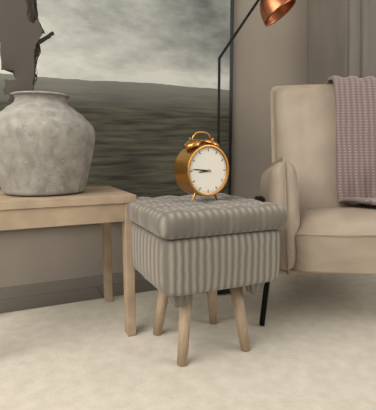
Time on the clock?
8:46
